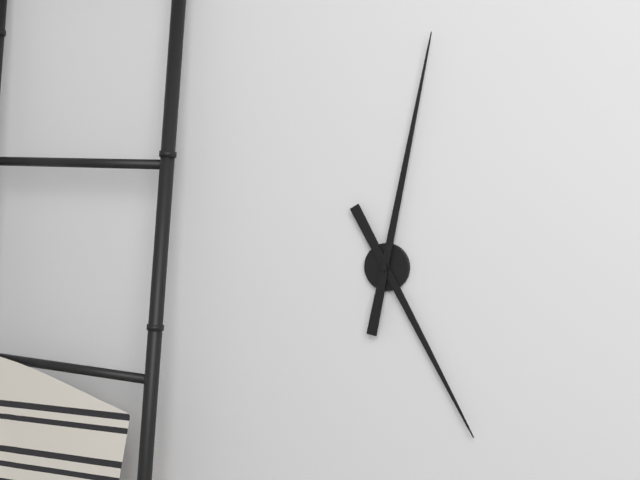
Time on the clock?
5:02
